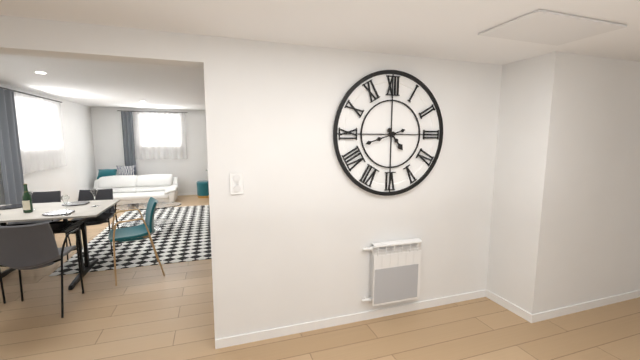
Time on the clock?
4:42
